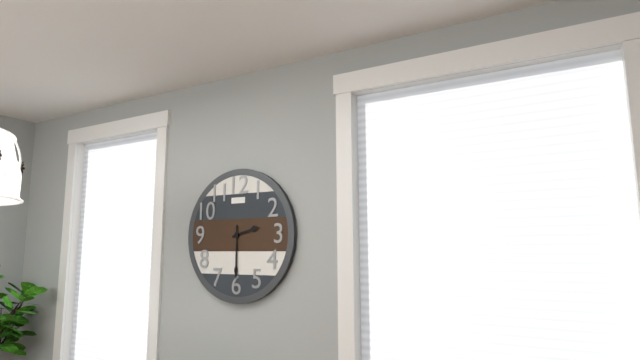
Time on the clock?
2:30
